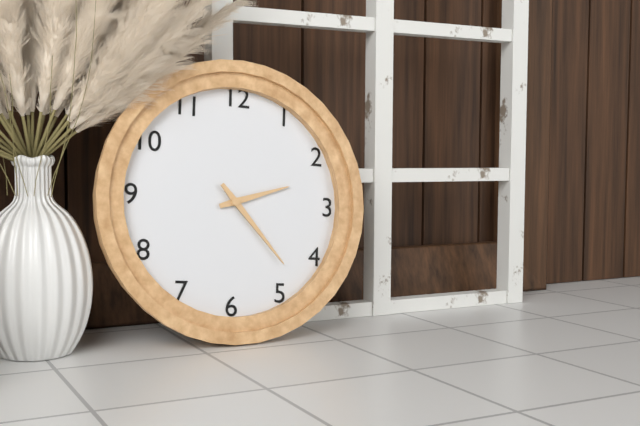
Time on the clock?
2:23
